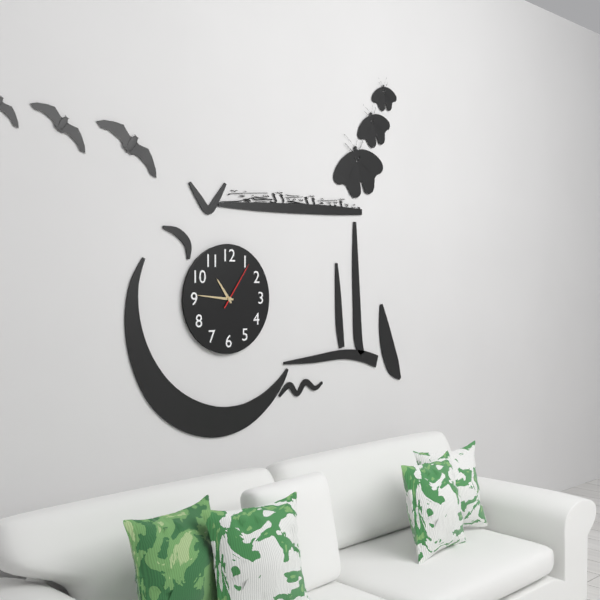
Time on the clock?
10:46:06
